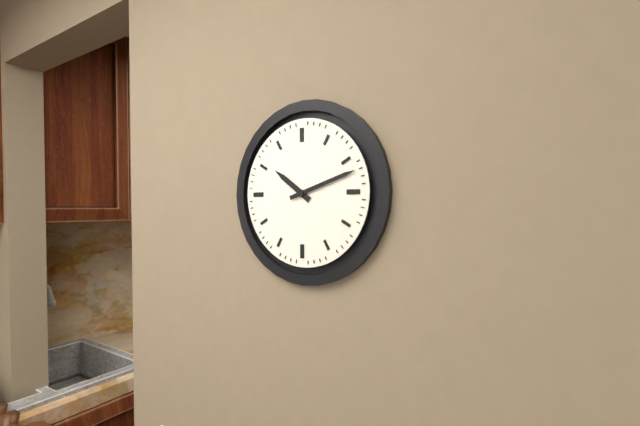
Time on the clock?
10:12
